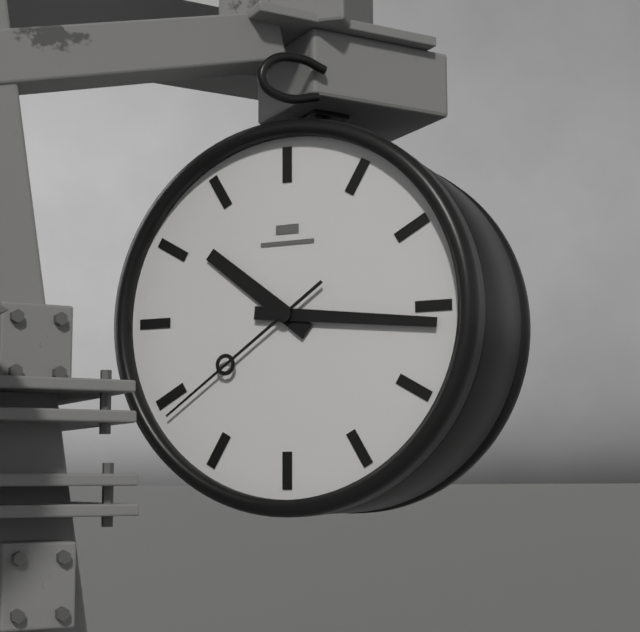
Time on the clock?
10:16:39
